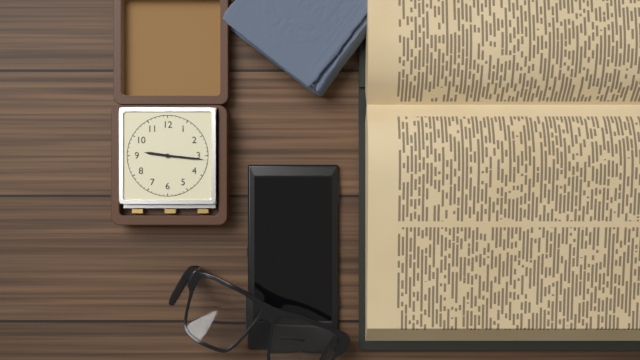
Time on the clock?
9:16
